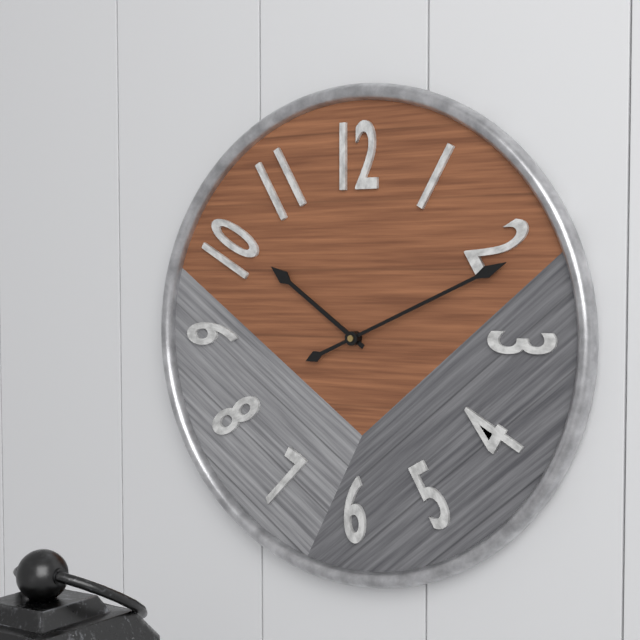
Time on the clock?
10:11
